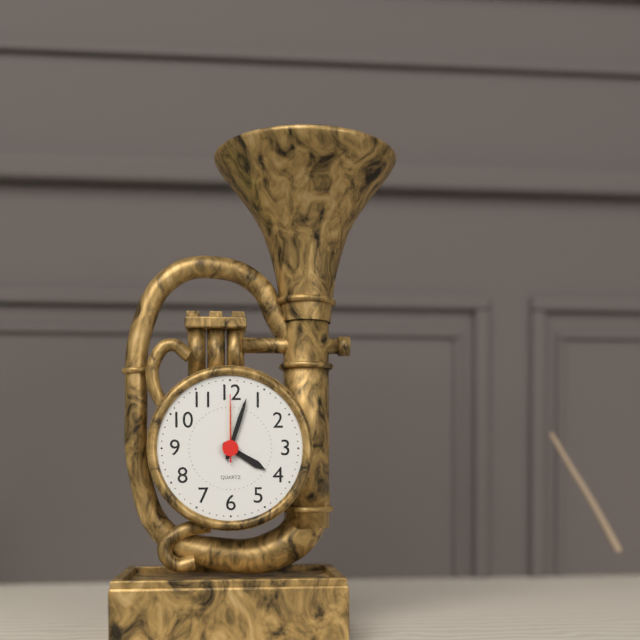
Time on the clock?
4:03:00
